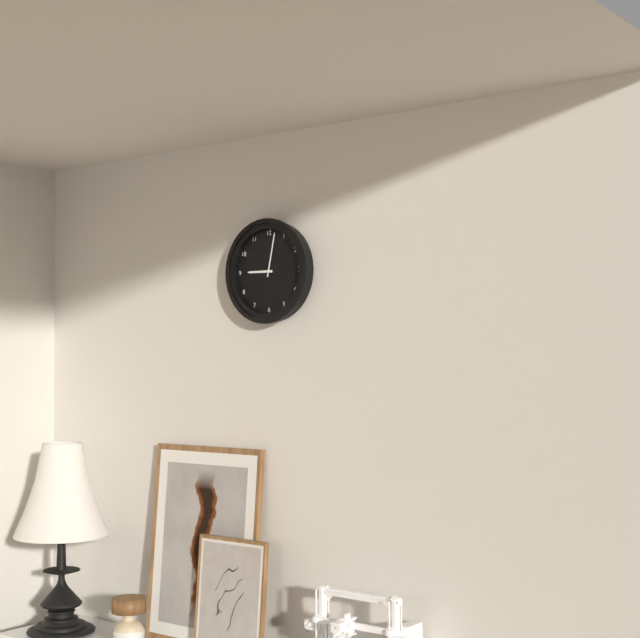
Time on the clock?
9:02
